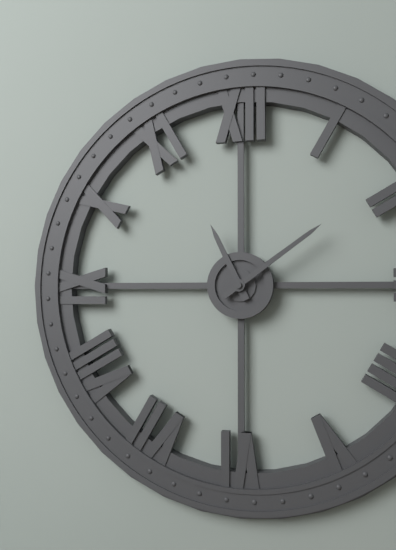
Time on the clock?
11:09
